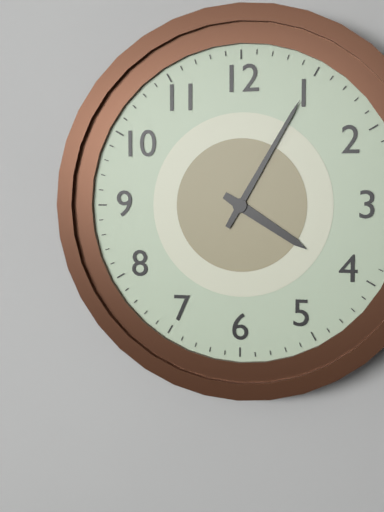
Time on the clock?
4:05
